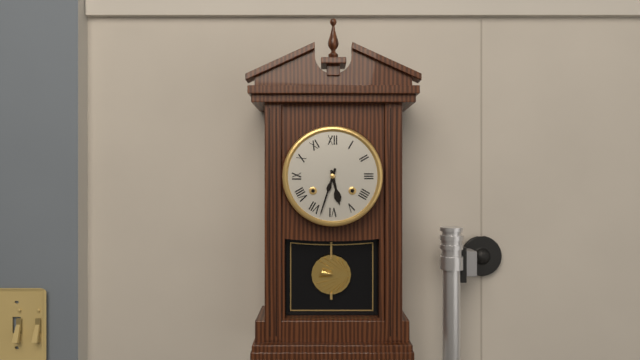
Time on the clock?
5:33
